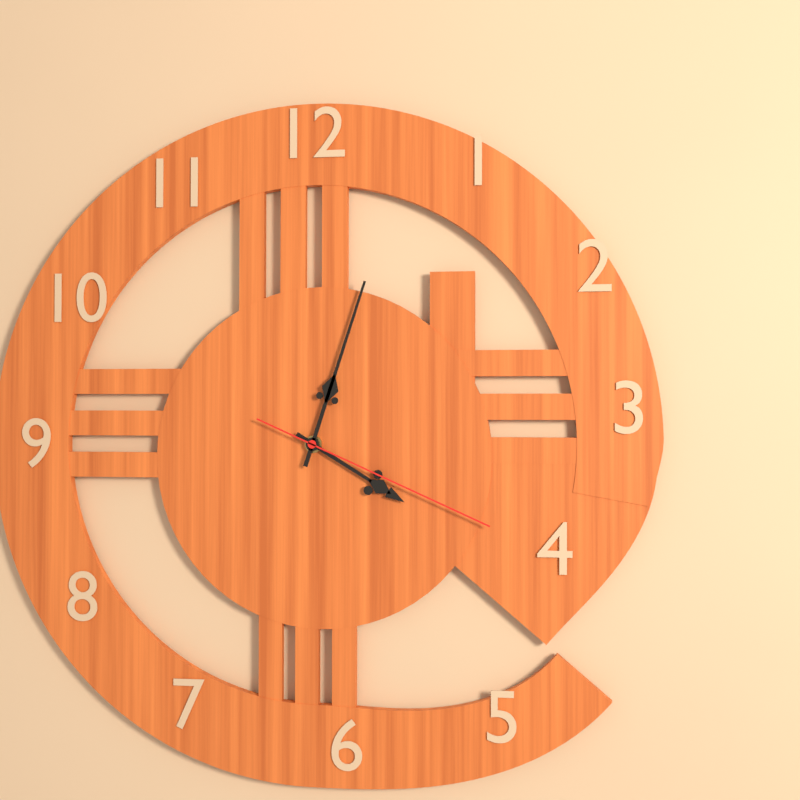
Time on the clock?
4:03:19
